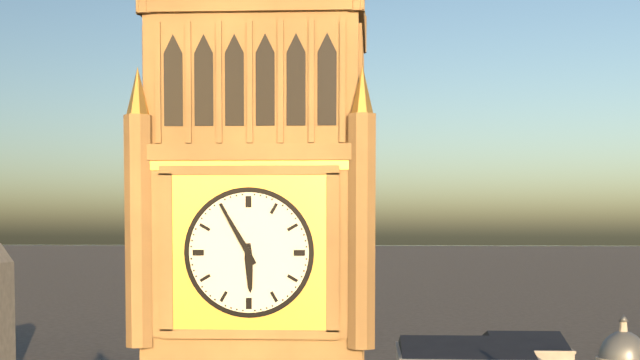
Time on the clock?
5:55
